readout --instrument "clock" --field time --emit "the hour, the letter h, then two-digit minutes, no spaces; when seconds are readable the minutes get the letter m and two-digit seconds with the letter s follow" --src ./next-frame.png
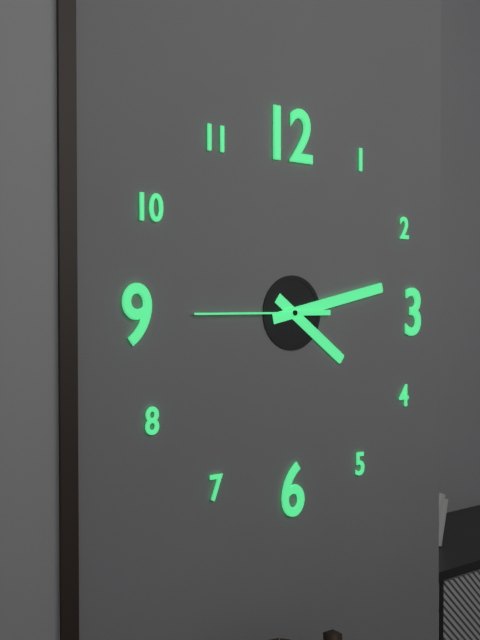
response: 4h13m45s
